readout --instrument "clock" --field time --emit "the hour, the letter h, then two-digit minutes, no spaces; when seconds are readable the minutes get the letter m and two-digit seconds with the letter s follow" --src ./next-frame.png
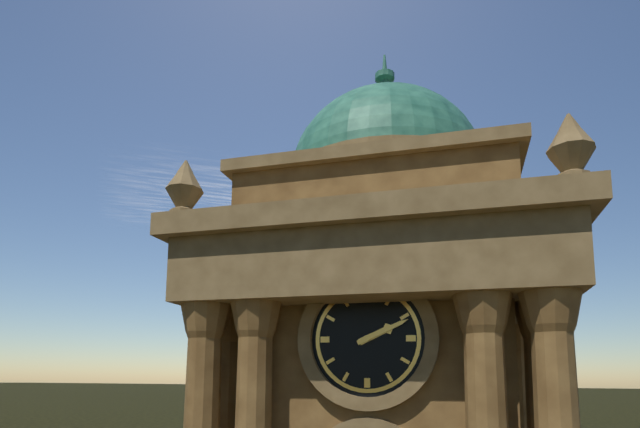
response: 2h11
